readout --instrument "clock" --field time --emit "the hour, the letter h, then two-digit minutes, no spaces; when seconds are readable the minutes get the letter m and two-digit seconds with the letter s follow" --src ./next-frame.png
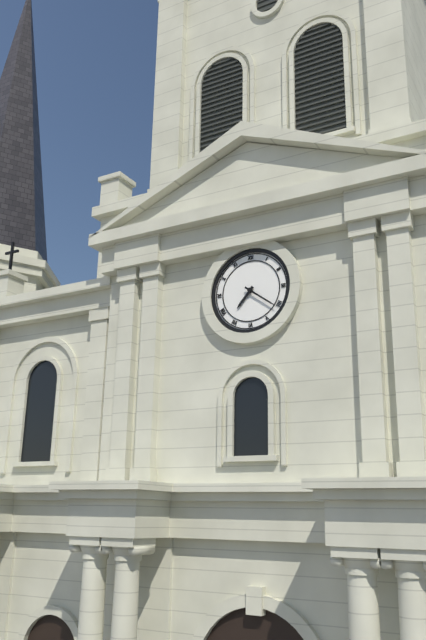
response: 7h21
